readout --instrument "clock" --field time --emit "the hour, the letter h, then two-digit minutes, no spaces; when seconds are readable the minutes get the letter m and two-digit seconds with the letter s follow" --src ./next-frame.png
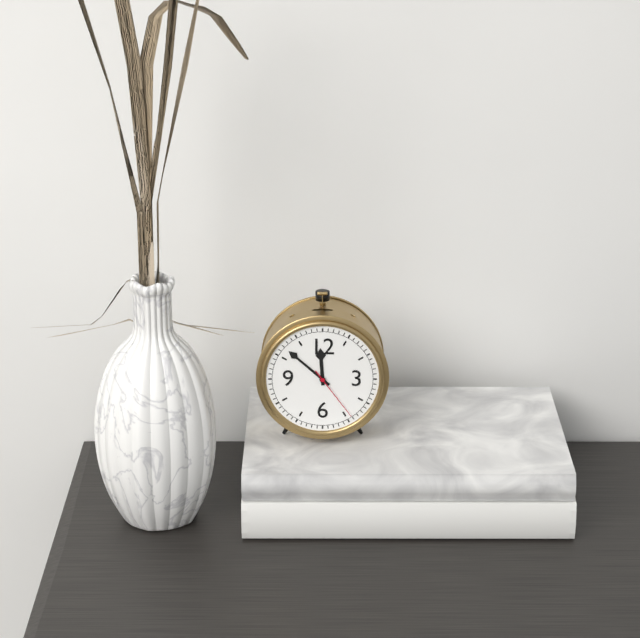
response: 11h52m24s
